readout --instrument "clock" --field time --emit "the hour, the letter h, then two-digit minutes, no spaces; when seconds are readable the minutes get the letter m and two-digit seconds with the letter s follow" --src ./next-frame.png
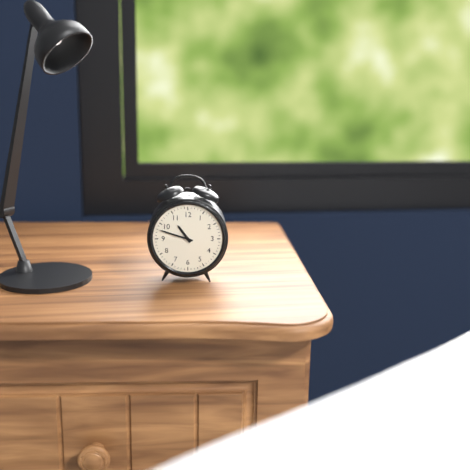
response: 10h48
